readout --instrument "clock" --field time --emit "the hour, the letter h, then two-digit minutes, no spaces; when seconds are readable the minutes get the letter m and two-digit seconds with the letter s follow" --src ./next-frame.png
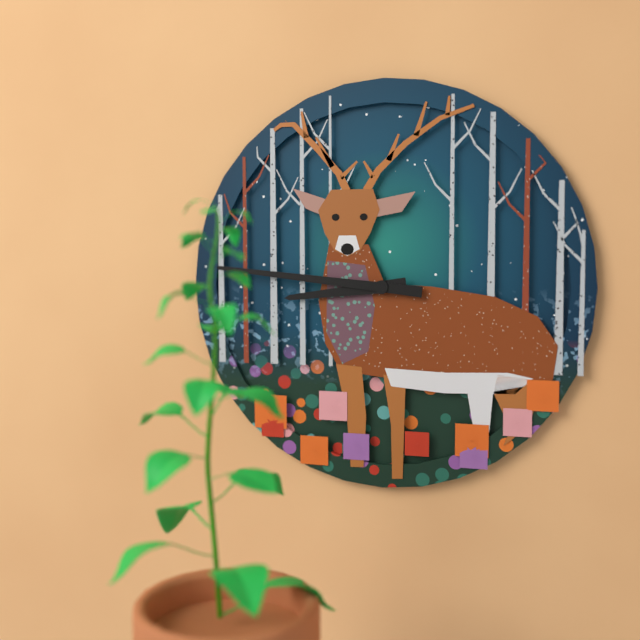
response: 8h46
